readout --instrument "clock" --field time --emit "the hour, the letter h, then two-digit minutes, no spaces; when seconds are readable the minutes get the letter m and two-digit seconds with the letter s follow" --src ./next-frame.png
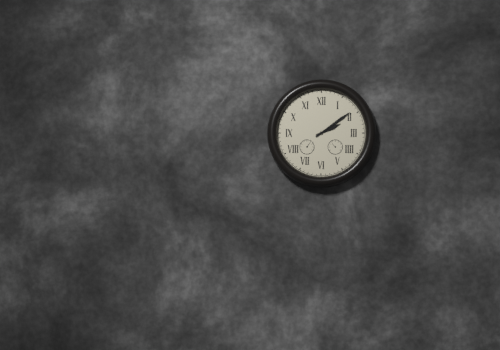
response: 2h09
